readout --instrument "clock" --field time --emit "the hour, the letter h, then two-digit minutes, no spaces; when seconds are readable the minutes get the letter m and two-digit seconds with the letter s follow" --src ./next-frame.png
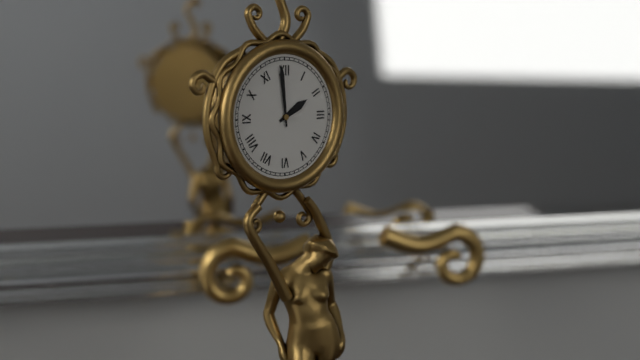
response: 1h59
